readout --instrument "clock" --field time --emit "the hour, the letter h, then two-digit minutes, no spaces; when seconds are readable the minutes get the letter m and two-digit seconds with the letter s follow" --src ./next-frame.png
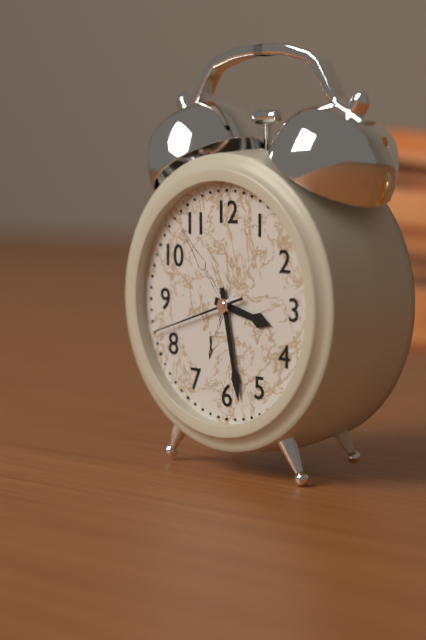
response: 3h28m42s
